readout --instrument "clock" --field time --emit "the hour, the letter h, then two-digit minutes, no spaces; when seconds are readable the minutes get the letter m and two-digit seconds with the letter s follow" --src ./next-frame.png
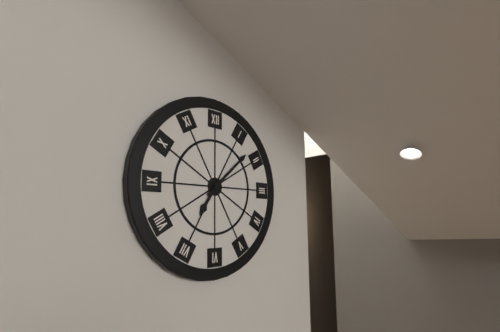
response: 7h08
